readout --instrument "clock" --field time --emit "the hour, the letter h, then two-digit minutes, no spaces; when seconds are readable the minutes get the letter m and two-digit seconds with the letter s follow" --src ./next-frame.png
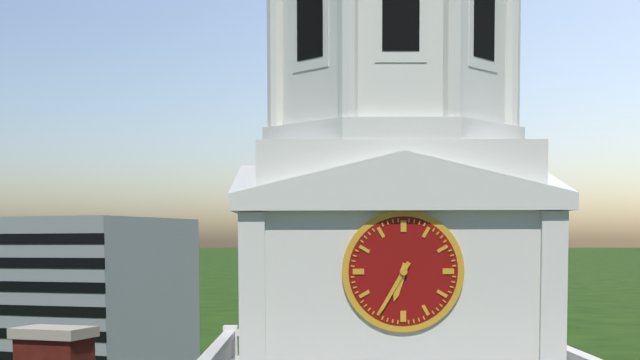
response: 6h35
